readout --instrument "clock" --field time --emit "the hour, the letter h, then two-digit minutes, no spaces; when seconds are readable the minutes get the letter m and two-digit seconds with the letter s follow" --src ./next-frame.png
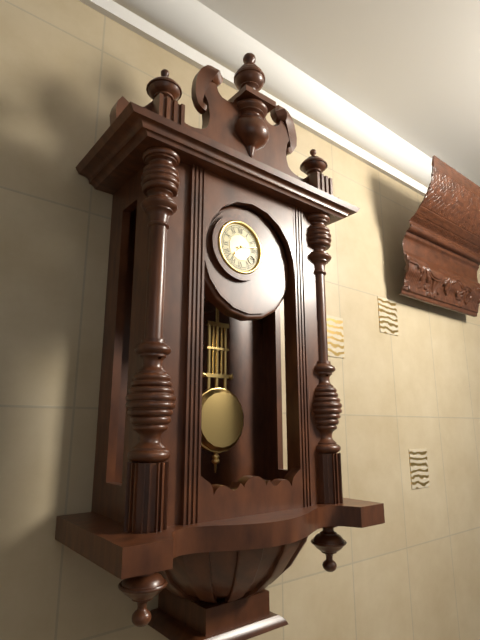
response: 7h13
